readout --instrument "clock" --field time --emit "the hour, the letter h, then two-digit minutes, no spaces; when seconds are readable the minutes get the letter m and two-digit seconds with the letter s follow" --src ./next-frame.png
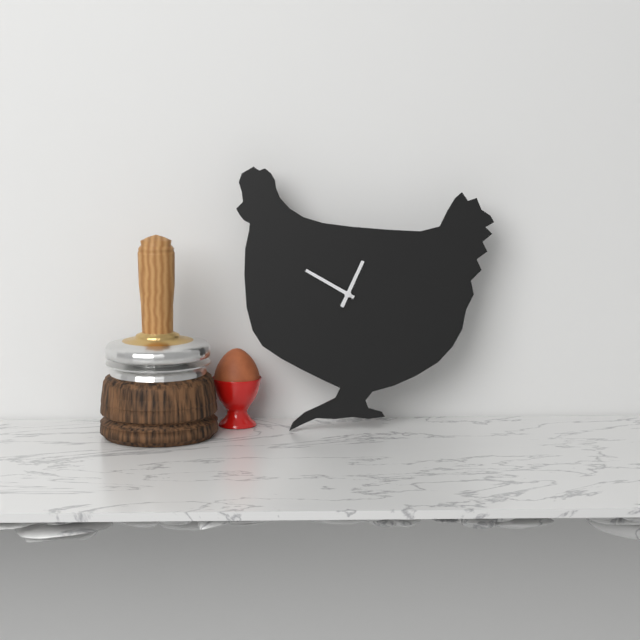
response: 12h50
